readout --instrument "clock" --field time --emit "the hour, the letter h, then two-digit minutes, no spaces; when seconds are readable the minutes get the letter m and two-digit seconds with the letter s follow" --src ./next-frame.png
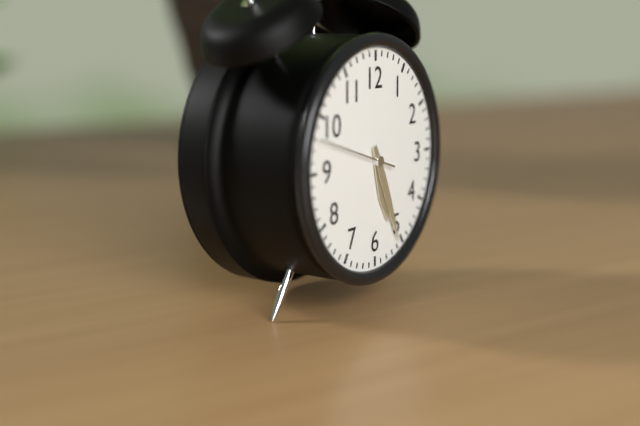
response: 5h26m48s
